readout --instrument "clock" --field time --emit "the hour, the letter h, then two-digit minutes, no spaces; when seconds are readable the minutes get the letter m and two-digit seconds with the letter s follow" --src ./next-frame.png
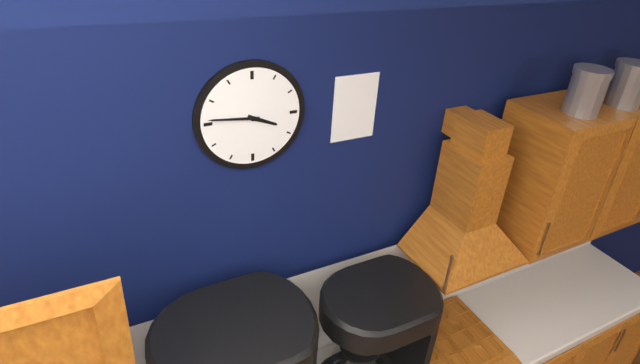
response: 3h46
